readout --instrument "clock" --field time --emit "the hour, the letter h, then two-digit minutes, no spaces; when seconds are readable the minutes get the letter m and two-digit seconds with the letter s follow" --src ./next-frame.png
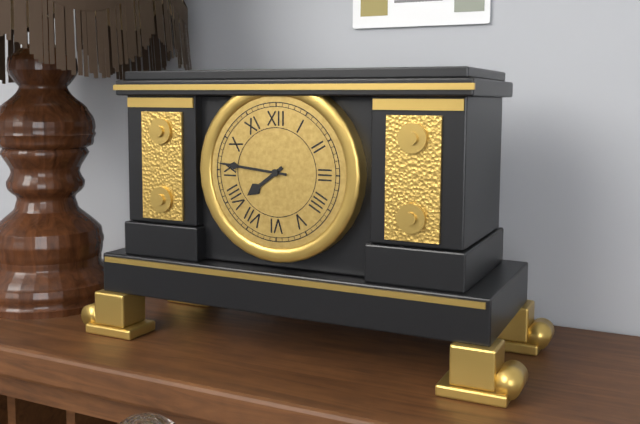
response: 7h46
